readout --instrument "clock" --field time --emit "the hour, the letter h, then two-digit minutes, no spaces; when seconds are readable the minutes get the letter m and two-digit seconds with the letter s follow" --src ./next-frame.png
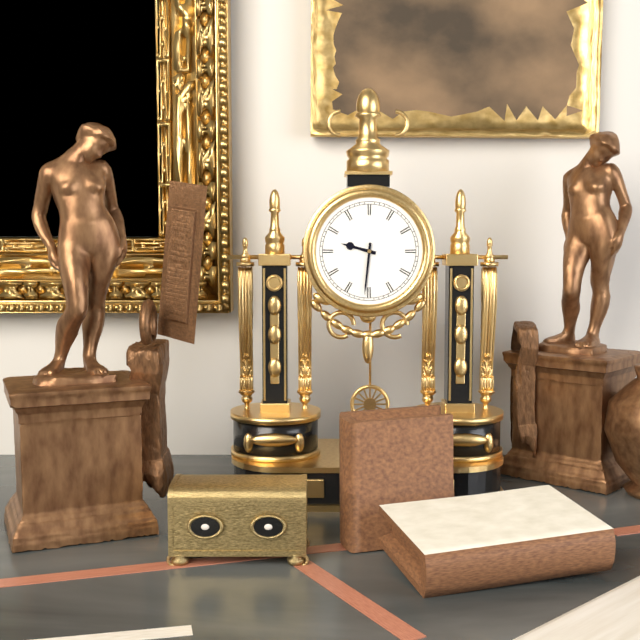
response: 9h31
